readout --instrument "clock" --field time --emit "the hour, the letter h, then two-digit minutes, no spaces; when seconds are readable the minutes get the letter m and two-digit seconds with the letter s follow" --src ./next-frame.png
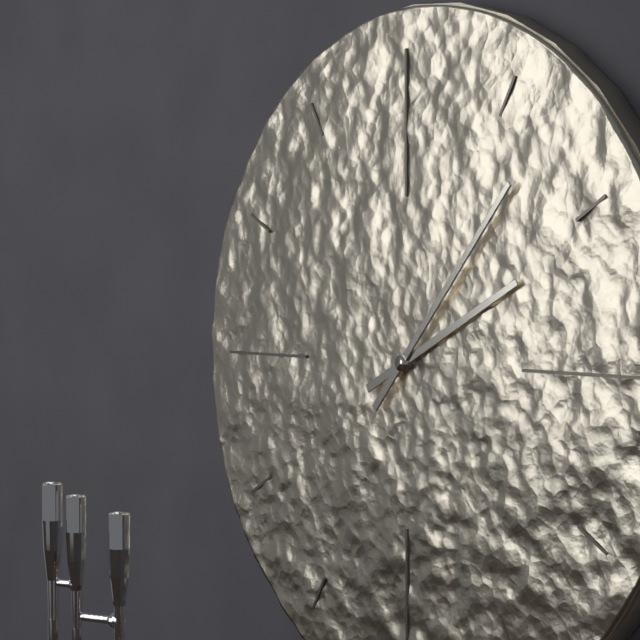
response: 2h07
